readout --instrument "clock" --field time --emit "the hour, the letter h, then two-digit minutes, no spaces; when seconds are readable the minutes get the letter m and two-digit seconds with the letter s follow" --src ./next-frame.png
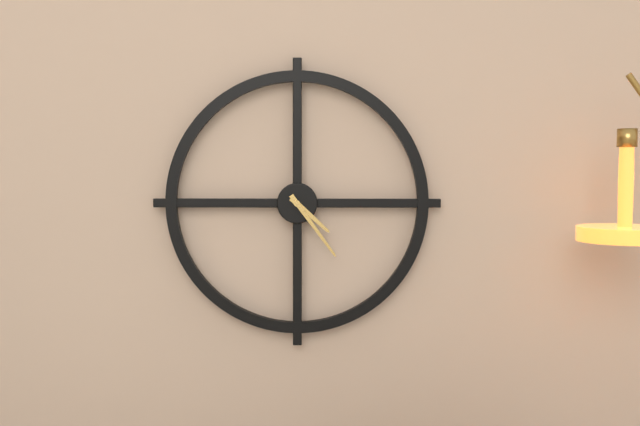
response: 4h24
